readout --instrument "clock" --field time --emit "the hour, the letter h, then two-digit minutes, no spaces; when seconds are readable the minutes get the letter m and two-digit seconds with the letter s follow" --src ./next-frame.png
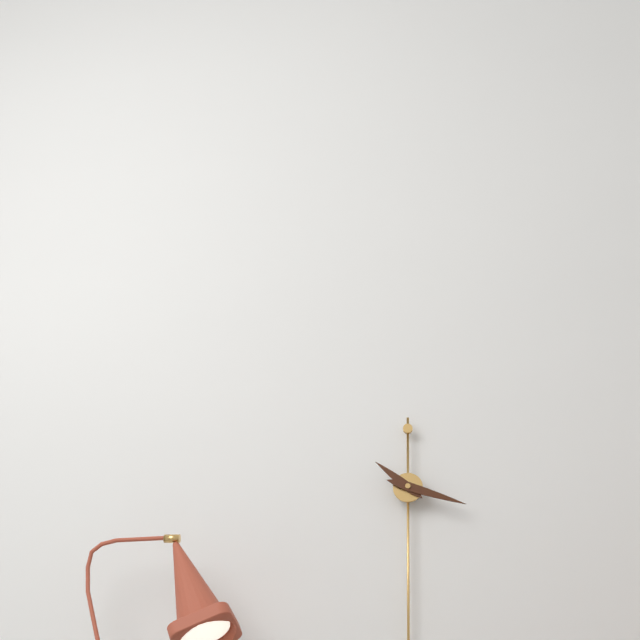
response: 10h18
